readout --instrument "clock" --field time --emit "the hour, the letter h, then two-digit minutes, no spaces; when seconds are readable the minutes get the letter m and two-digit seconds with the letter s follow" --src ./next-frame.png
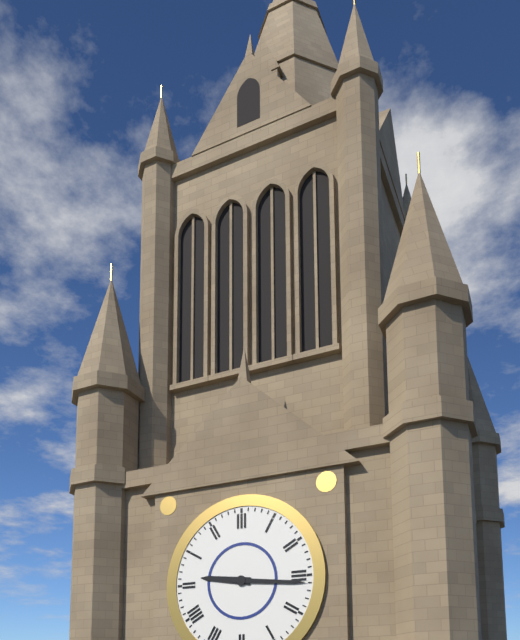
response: 9h16
